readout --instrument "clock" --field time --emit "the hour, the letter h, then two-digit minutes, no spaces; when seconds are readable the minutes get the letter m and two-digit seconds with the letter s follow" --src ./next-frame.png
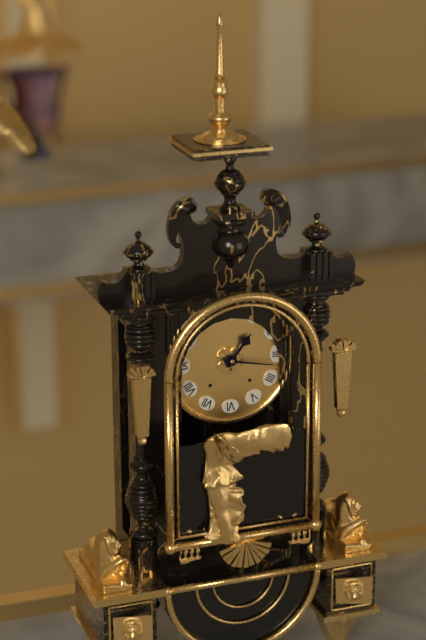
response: 1h17
